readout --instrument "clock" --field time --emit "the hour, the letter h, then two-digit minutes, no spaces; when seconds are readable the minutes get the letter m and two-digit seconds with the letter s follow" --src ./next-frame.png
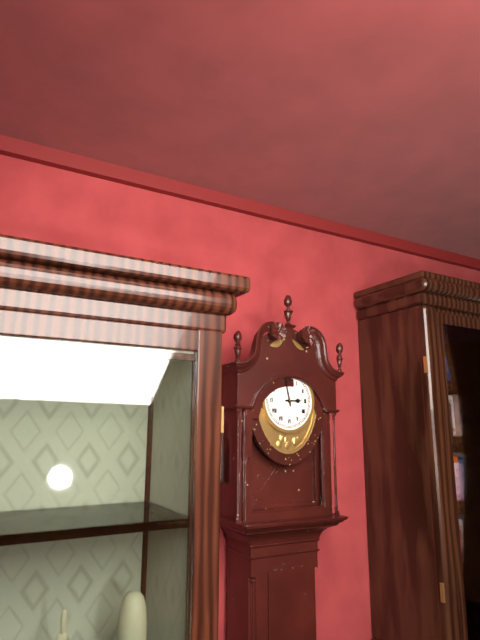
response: 2h58
